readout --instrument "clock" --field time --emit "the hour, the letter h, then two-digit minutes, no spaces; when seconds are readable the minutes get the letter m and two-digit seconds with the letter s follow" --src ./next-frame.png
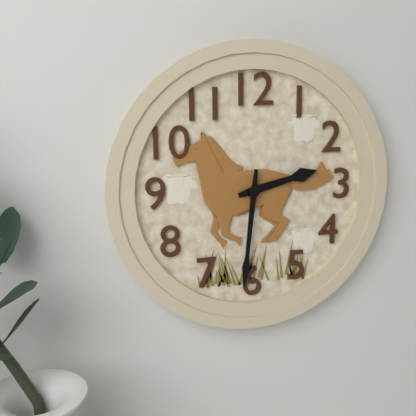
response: 2h31
